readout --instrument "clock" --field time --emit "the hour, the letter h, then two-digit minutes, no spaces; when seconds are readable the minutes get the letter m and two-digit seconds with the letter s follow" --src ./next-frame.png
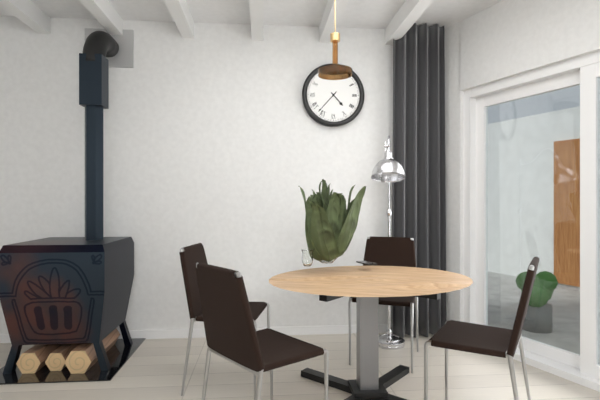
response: 4h37
